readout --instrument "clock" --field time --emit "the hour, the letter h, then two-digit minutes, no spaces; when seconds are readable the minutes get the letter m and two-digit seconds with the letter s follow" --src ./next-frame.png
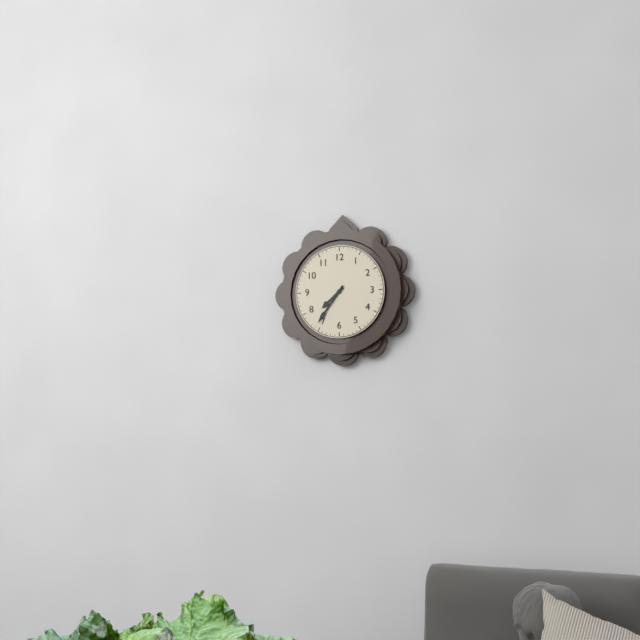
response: 7h36
